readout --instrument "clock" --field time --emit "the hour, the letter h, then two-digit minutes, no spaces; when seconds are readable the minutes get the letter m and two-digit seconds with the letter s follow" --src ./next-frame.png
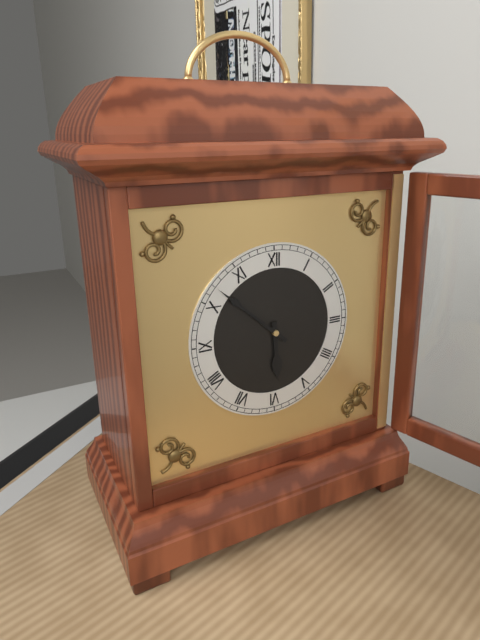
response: 5h52
